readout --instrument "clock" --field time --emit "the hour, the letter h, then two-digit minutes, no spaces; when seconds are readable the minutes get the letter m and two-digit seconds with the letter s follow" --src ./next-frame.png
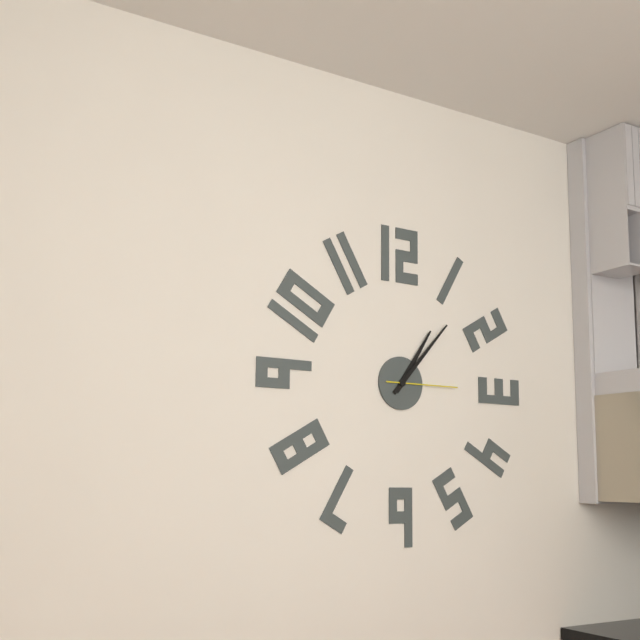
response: 1h07m15s
